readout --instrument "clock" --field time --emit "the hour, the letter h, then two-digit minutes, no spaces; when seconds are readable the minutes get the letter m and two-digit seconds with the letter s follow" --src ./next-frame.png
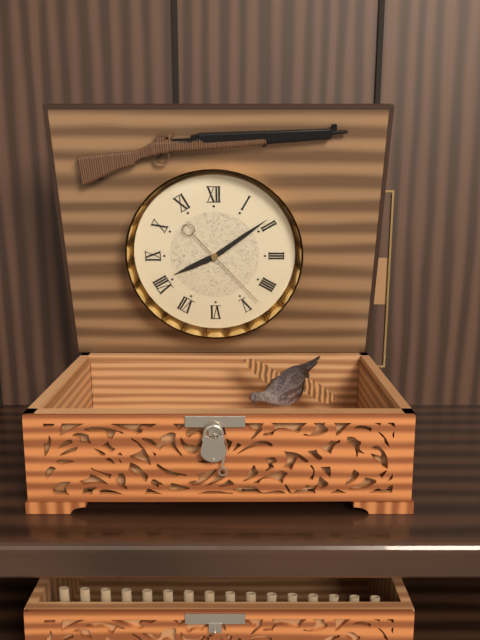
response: 8h09m23s
